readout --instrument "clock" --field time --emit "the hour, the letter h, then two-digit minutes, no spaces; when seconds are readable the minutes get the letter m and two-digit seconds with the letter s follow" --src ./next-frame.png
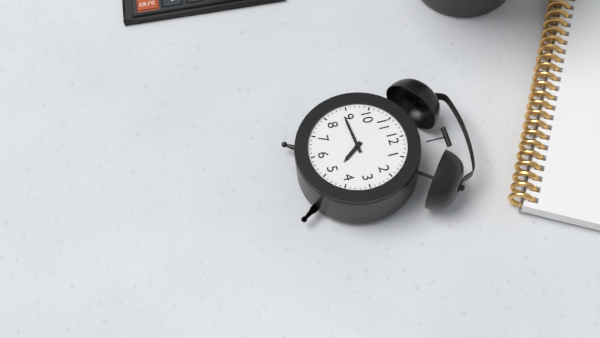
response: 4h44
